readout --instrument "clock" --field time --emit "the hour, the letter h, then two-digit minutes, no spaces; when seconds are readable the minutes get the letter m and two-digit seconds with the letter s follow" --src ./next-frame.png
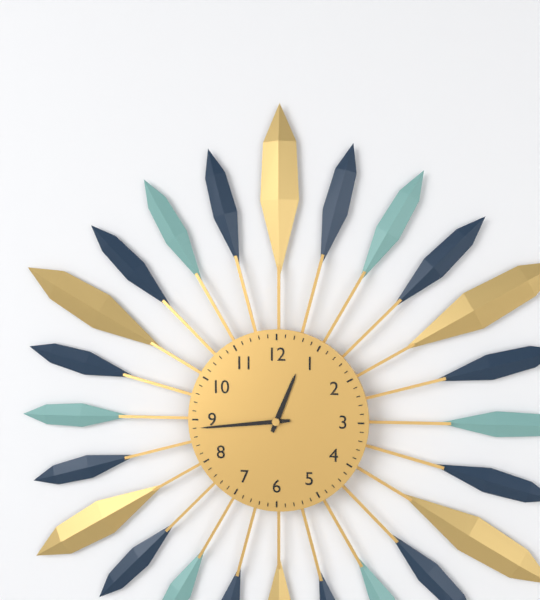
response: 12h44
